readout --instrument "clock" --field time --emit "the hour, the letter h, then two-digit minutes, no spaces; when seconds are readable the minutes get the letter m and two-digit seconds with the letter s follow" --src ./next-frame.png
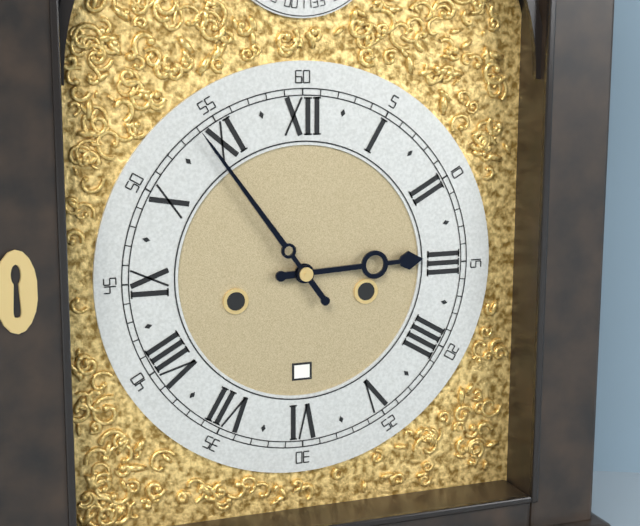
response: 2h54
